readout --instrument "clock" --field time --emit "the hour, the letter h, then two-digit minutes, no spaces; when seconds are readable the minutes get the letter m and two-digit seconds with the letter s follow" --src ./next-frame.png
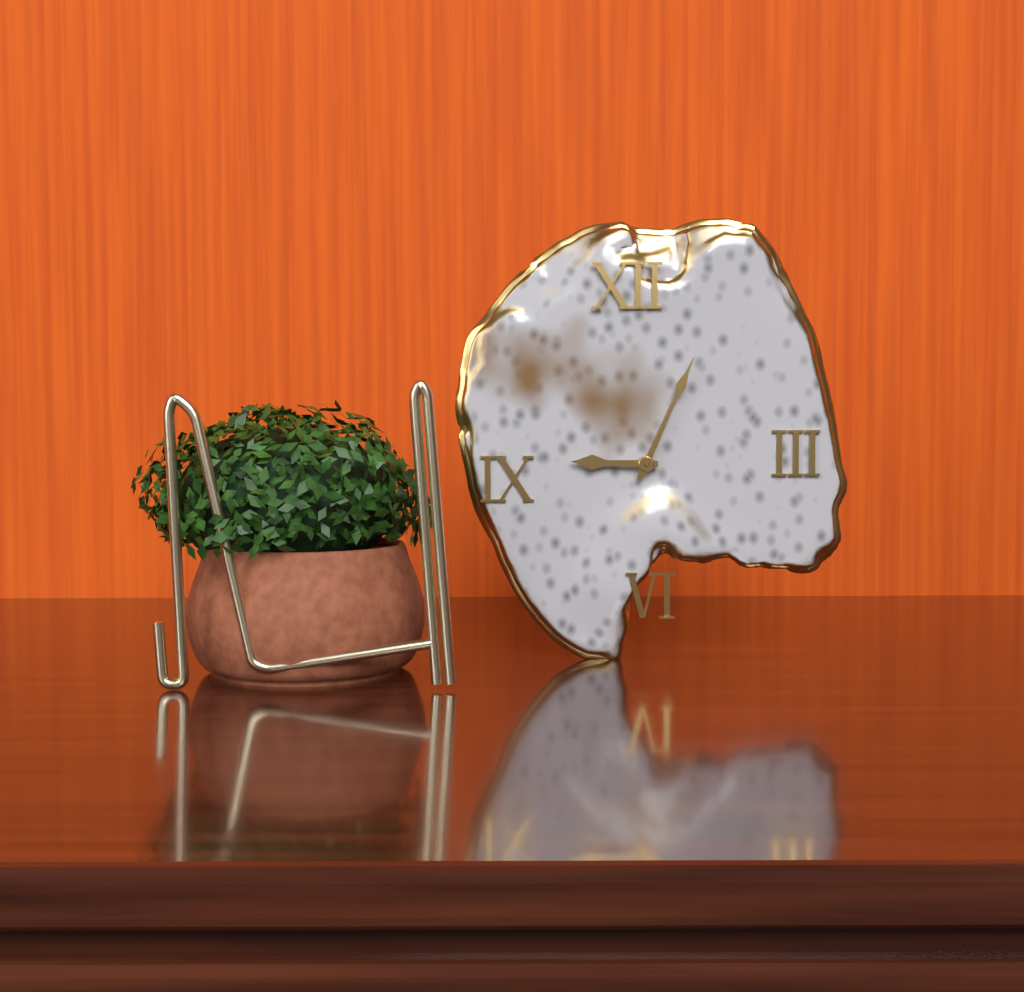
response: 9h04
